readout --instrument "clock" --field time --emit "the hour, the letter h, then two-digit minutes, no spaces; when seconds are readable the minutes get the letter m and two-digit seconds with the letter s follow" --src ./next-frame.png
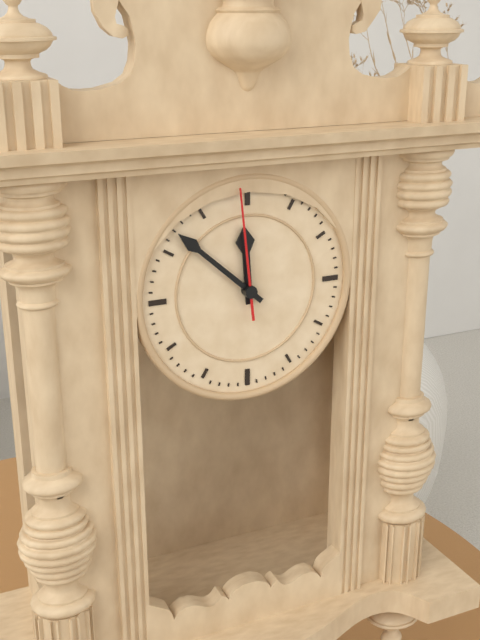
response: 11h52m59s
